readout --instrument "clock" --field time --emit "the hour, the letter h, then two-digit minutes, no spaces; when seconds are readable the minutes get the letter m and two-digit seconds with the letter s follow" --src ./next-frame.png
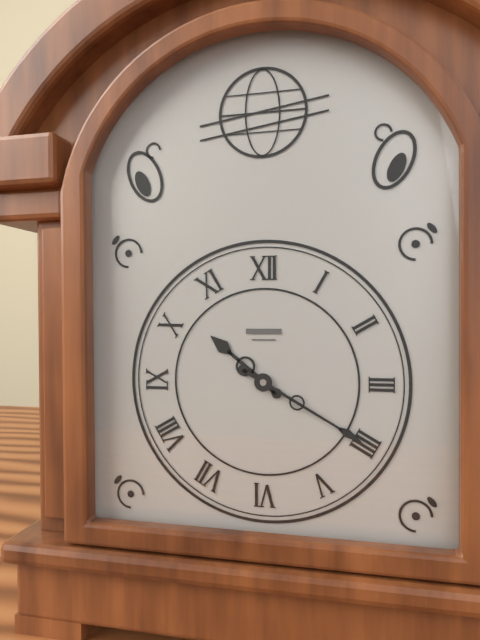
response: 10h20
